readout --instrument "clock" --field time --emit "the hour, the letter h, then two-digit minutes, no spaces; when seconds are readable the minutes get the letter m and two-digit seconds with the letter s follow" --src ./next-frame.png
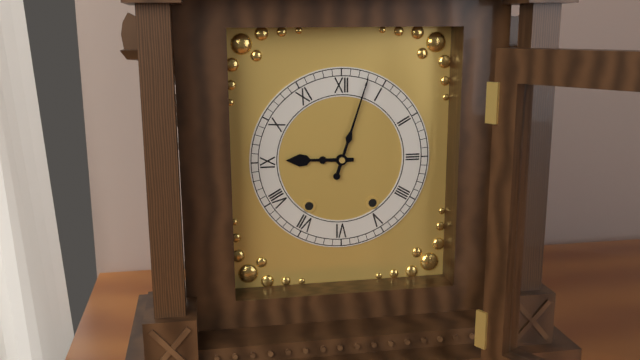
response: 9h03
